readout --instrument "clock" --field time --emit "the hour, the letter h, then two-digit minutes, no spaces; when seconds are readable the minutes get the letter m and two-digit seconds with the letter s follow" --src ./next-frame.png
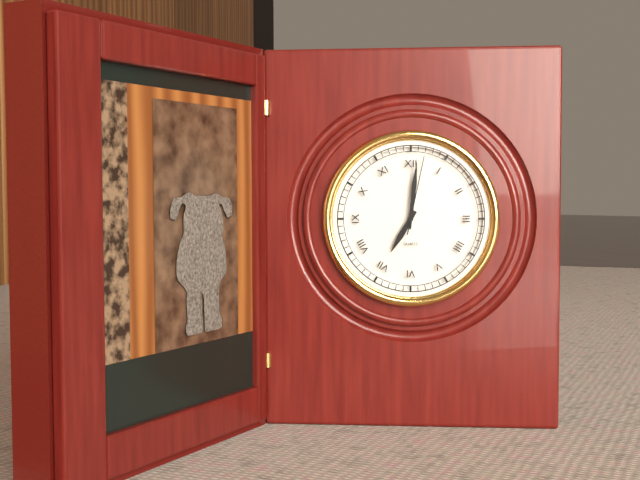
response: 7h01m02s
